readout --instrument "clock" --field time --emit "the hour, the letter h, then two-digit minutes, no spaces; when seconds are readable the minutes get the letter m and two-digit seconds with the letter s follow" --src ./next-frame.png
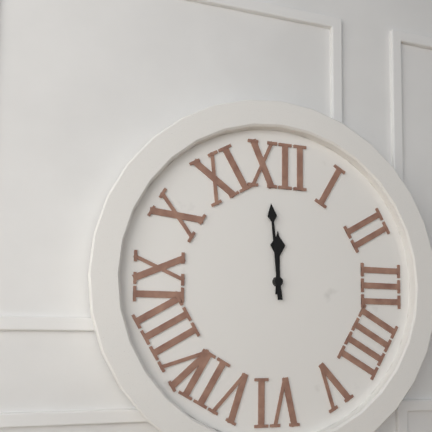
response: 11h59
